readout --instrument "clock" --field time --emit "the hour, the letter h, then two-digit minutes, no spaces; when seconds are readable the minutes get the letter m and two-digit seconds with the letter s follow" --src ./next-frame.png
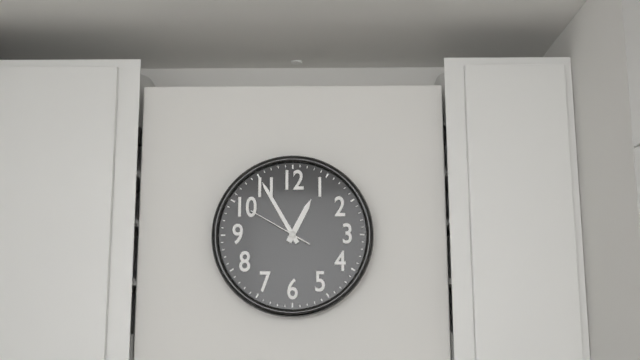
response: 12h55m50s
